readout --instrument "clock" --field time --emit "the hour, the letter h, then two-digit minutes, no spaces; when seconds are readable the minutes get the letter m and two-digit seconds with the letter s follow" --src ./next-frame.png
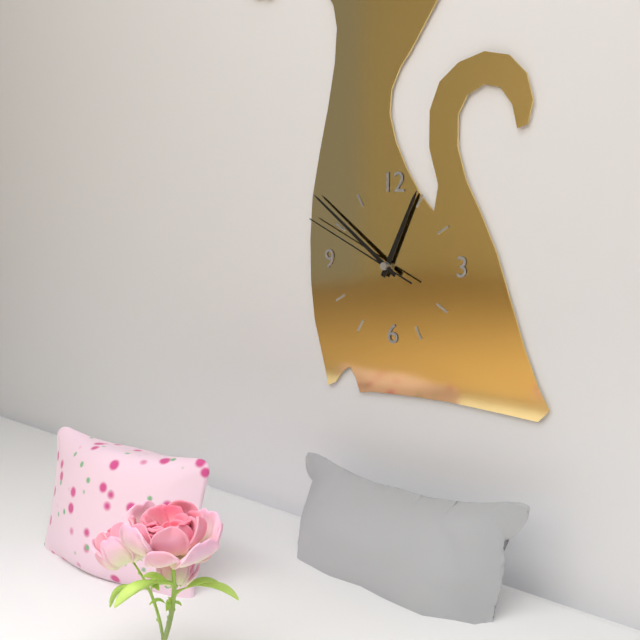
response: 12h51m49s
